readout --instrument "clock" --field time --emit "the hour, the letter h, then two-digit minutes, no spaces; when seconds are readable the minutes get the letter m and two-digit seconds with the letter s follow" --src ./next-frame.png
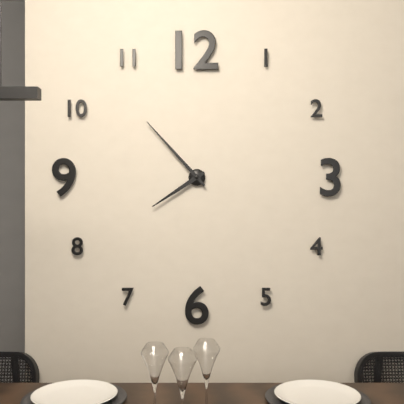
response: 7h53
